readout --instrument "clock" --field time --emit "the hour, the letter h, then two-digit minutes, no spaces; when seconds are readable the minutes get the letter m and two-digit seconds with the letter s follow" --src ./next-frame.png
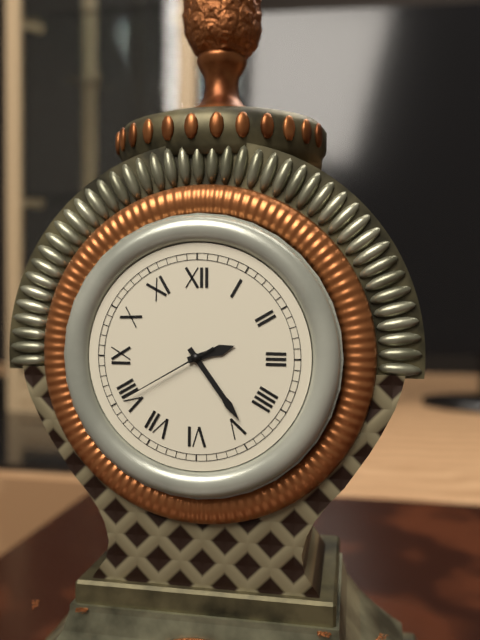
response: 2h24m40s
